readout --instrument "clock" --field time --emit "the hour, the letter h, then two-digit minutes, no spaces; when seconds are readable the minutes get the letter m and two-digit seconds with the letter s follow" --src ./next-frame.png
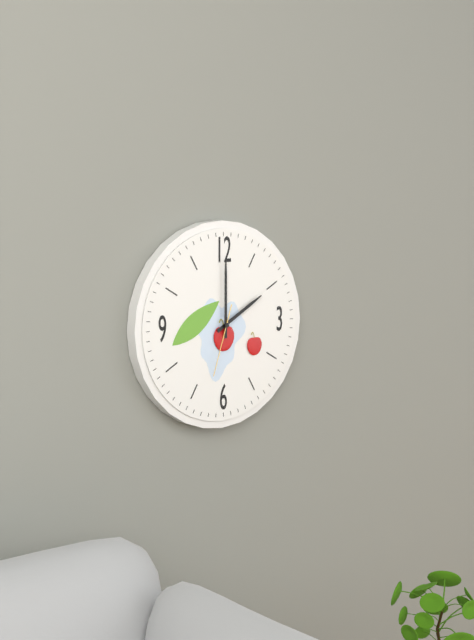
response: 2h00m33s
